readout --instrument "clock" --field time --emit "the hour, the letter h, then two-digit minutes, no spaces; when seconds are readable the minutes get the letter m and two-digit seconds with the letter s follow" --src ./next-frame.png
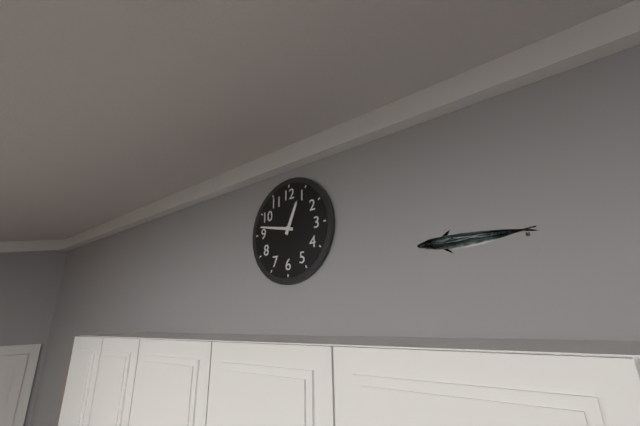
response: 12h47
